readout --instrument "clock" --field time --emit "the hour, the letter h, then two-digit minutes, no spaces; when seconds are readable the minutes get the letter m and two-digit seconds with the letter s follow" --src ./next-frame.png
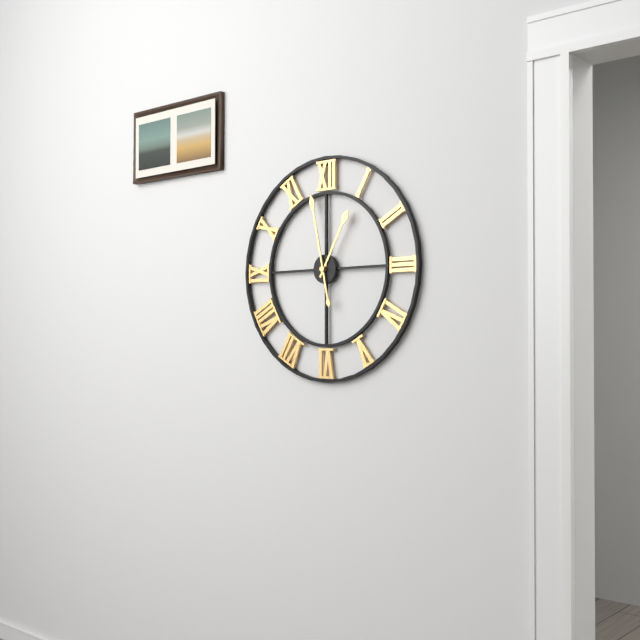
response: 12h58
